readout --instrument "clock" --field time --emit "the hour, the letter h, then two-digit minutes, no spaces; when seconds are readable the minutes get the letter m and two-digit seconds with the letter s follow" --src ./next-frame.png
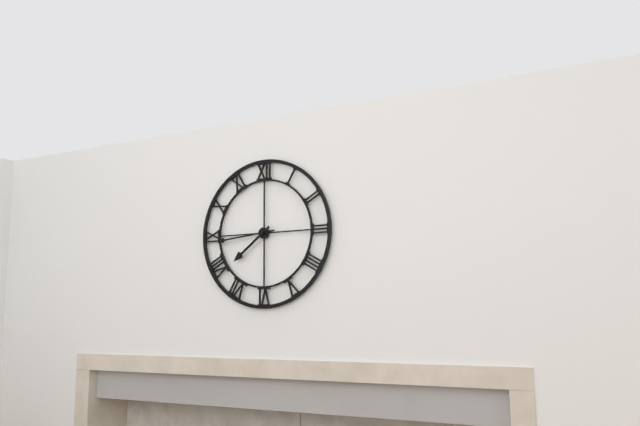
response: 7h44
